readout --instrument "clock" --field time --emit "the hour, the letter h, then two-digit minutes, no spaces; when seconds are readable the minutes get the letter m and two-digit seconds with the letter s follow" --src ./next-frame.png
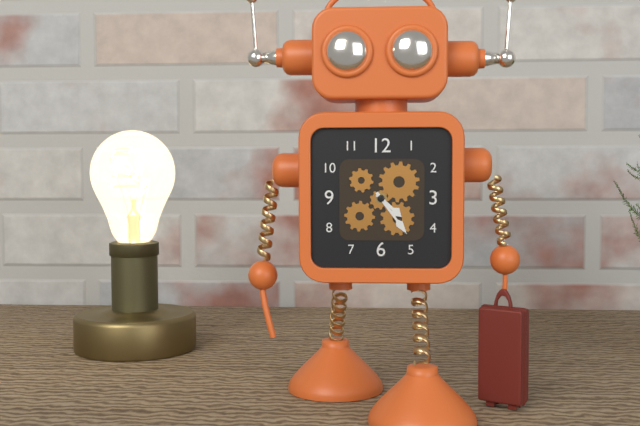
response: 4h24
